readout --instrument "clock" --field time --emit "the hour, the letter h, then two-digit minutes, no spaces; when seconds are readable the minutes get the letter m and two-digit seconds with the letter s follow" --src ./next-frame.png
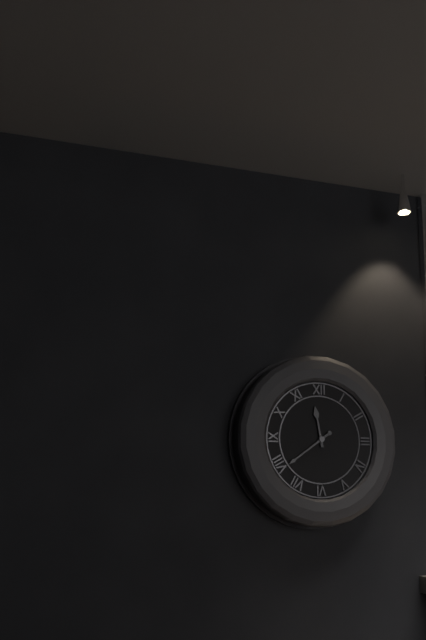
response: 11h39
